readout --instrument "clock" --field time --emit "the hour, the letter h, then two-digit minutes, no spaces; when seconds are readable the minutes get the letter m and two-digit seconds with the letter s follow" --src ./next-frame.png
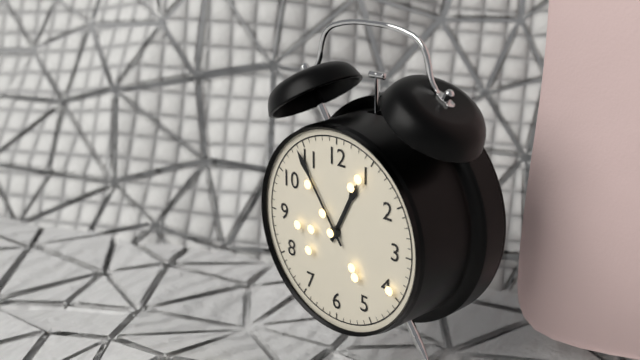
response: 12h54
